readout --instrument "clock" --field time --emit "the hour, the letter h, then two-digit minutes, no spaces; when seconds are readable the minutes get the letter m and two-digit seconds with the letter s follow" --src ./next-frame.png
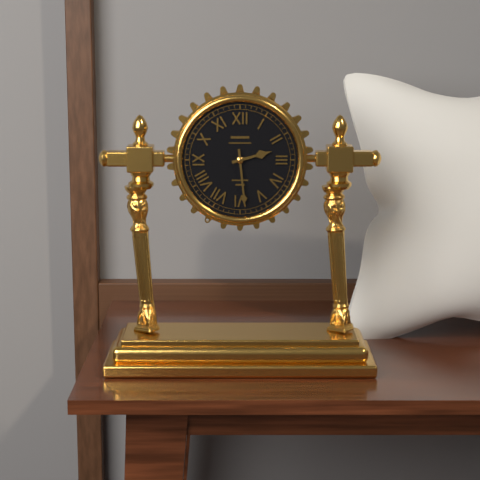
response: 2h29
